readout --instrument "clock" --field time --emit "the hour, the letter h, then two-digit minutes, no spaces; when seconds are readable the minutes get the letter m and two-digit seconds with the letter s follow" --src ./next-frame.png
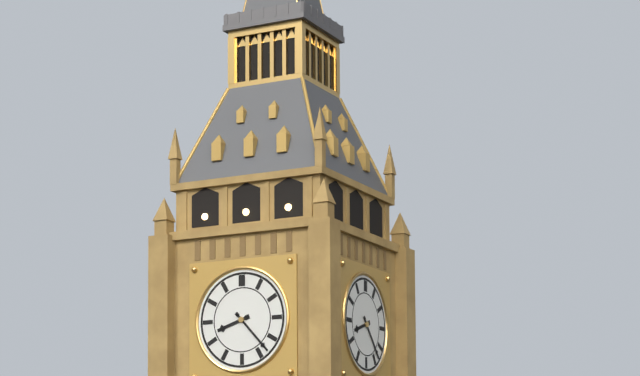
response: 8h23
